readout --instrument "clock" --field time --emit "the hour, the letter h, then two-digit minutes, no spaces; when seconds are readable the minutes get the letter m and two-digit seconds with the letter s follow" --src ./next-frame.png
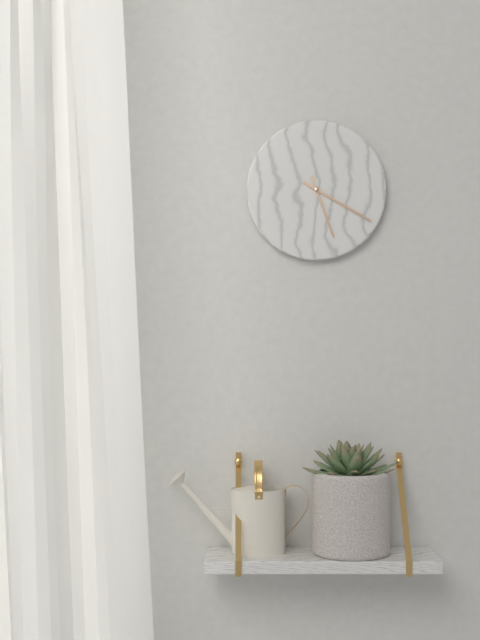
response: 5h20
